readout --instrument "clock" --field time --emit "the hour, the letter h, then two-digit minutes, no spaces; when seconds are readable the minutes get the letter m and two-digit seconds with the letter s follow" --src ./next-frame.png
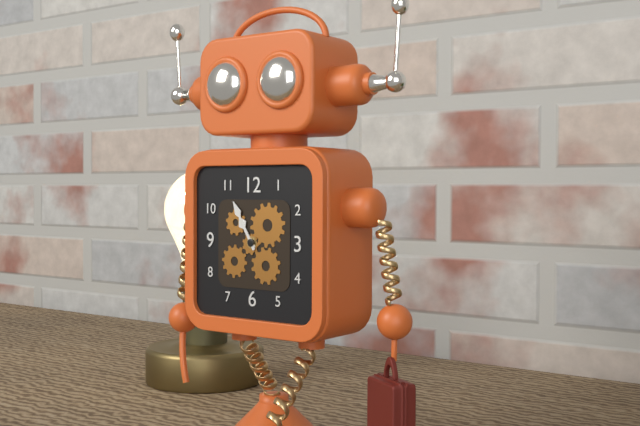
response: 10h55
